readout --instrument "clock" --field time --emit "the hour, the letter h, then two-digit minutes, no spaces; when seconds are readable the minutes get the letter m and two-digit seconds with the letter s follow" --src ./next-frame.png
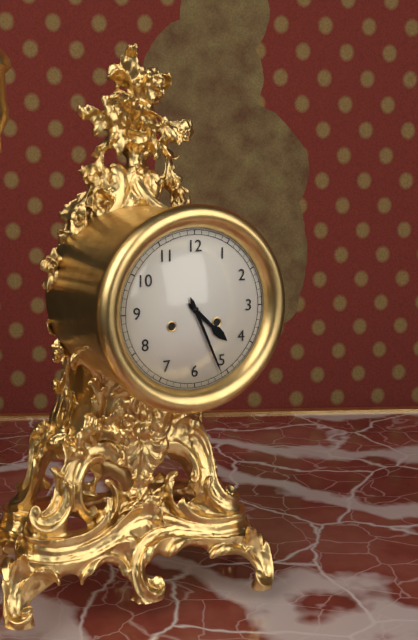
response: 4h26
